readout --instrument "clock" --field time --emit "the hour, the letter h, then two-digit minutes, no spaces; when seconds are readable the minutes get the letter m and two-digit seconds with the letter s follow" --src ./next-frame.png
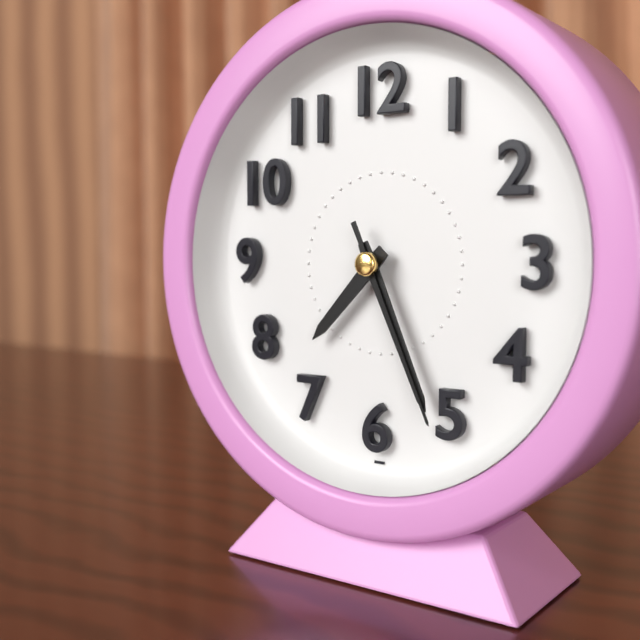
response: 7h26m26s
